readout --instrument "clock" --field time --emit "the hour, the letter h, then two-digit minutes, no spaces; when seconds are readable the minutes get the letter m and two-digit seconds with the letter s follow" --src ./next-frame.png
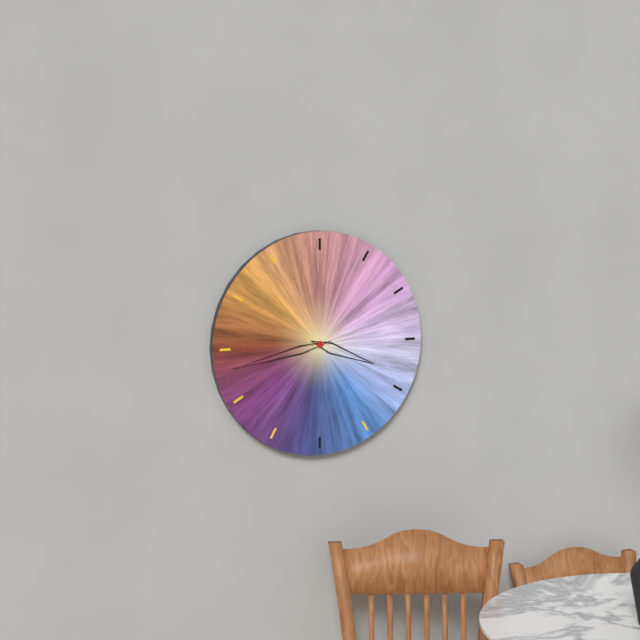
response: 3h43
